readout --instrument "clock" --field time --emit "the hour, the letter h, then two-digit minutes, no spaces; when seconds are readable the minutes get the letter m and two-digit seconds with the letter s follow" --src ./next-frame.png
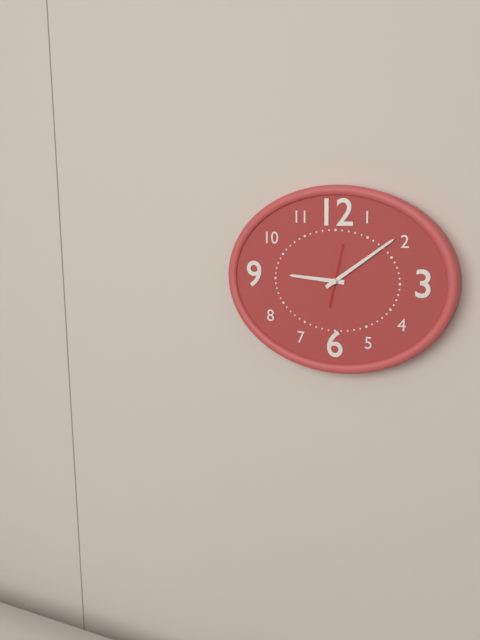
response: 9h09
